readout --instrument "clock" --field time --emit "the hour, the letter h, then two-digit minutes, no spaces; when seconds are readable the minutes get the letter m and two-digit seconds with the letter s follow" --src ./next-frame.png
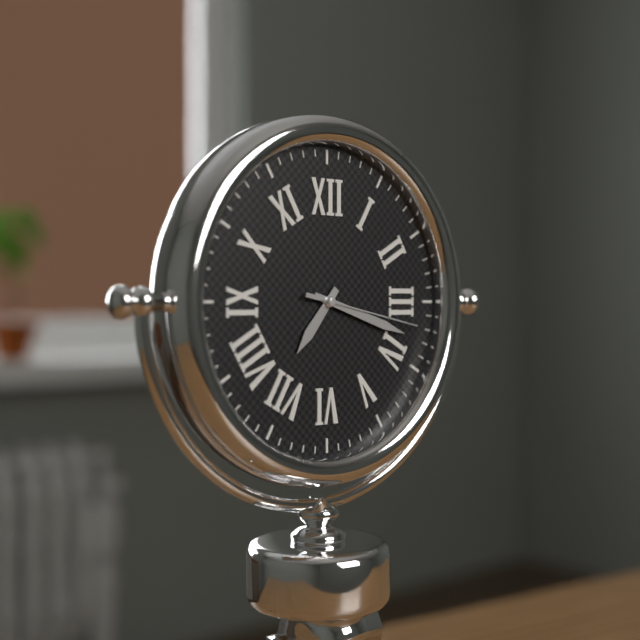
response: 7h18m17s
